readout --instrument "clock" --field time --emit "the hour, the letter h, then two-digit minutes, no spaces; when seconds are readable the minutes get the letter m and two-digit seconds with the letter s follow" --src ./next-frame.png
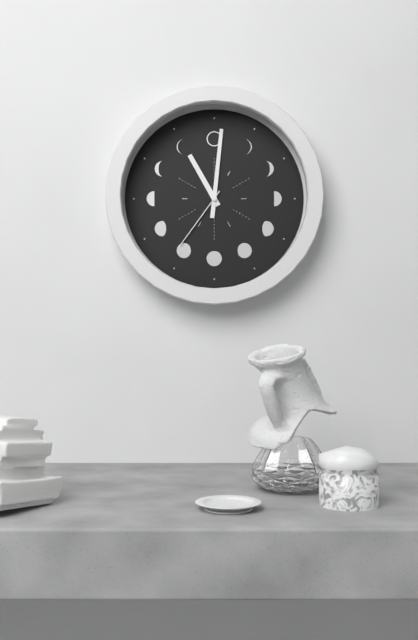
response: 11h01m36s
